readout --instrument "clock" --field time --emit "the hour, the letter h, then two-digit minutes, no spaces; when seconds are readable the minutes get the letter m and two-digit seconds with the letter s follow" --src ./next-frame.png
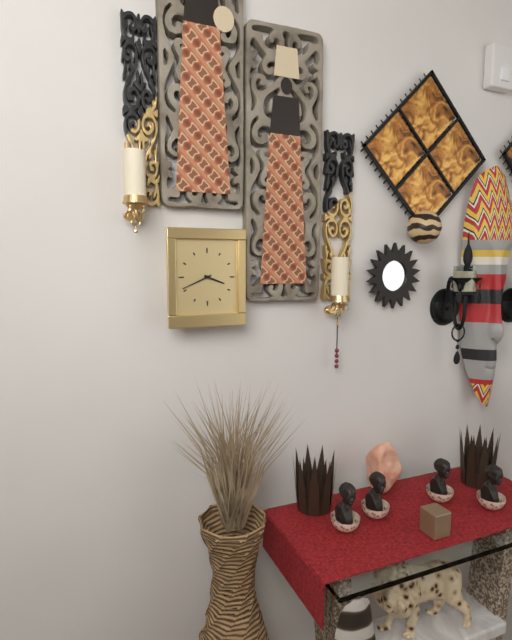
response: 3h41
